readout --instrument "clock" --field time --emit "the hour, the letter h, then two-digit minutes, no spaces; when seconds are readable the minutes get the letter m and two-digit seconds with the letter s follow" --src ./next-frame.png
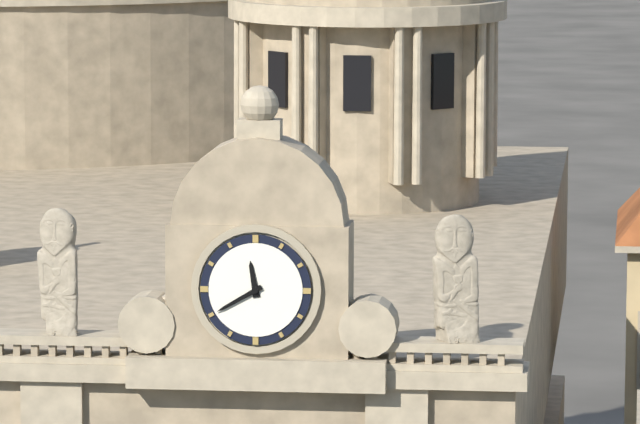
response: 11h40
